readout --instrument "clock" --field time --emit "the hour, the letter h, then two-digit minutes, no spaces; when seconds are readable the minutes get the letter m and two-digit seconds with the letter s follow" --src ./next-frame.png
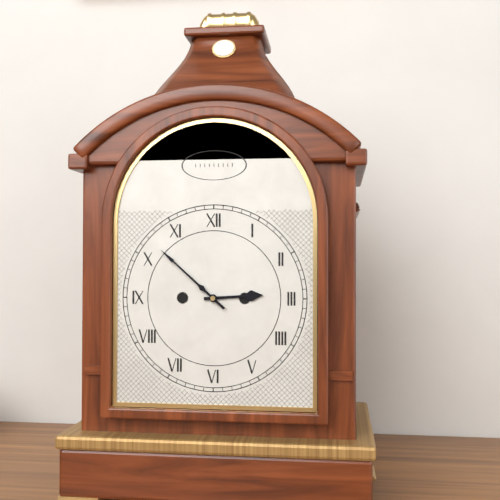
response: 2h52
